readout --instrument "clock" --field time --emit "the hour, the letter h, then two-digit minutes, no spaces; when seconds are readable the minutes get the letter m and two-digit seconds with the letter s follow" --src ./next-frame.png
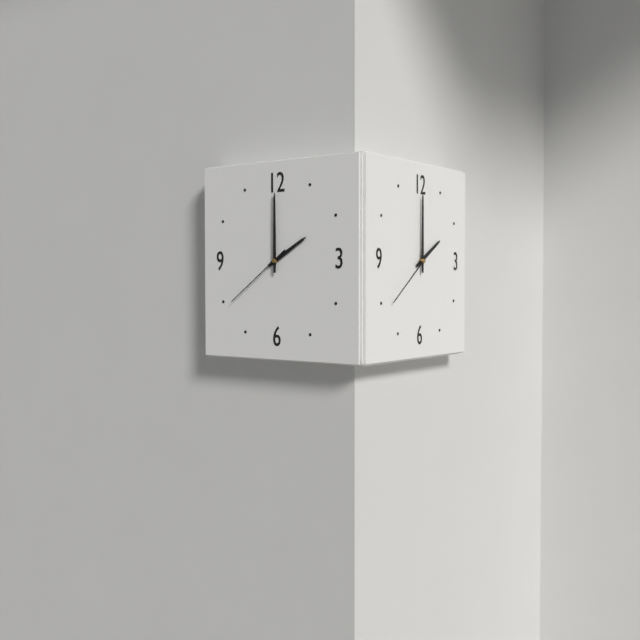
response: 2h00m39s
